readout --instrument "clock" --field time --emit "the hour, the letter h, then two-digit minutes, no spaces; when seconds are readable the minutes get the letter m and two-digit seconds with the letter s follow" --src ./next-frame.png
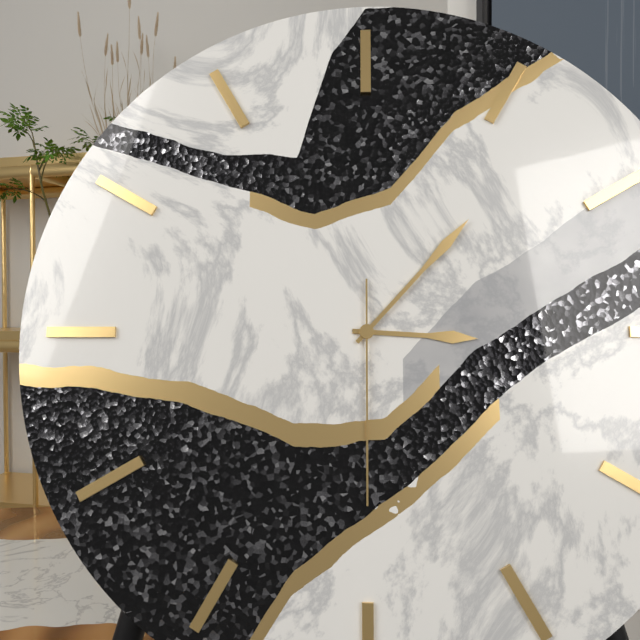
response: 3h07m30s
